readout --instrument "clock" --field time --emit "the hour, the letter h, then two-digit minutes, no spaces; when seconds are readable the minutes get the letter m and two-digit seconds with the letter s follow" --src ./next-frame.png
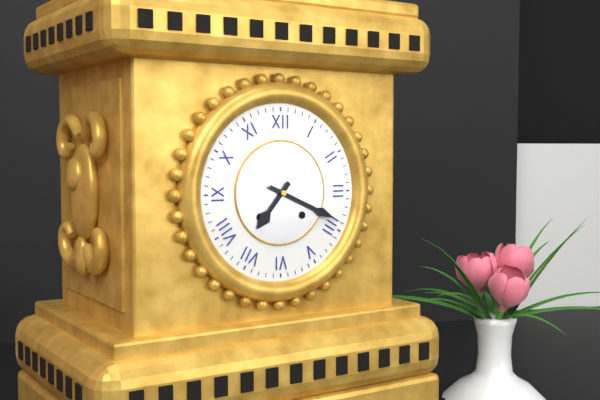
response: 7h19
